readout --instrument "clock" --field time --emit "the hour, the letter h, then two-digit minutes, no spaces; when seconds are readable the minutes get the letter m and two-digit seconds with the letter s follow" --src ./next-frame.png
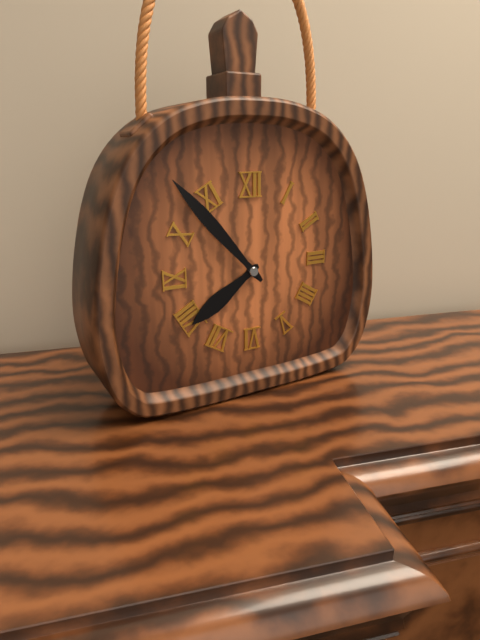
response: 7h53
